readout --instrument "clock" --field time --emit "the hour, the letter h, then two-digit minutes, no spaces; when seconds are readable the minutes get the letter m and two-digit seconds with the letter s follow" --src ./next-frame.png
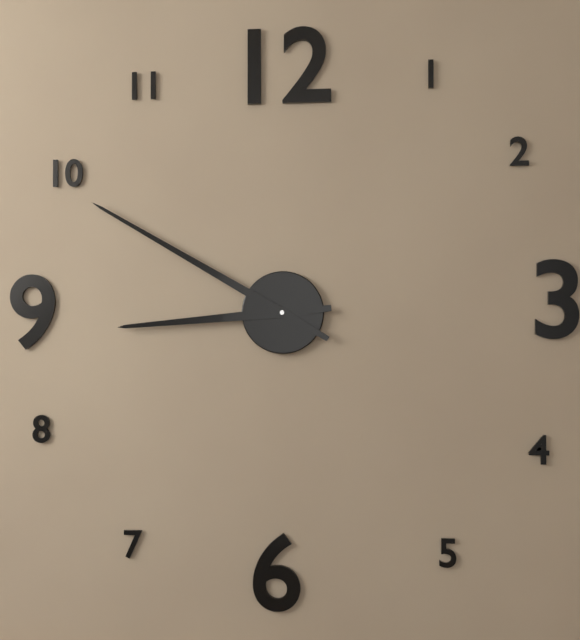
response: 8h50
